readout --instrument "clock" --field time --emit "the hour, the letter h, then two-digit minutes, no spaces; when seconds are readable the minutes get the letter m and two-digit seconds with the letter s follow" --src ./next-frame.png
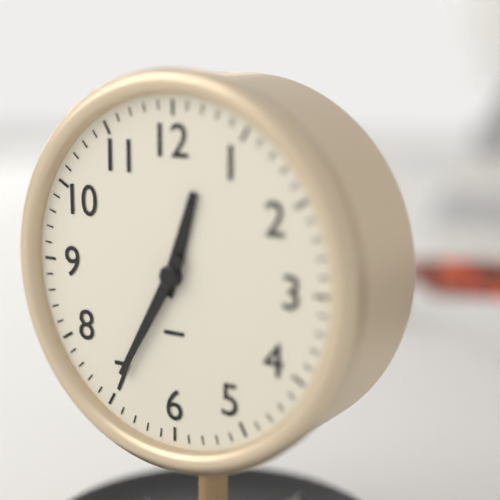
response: 12h35
